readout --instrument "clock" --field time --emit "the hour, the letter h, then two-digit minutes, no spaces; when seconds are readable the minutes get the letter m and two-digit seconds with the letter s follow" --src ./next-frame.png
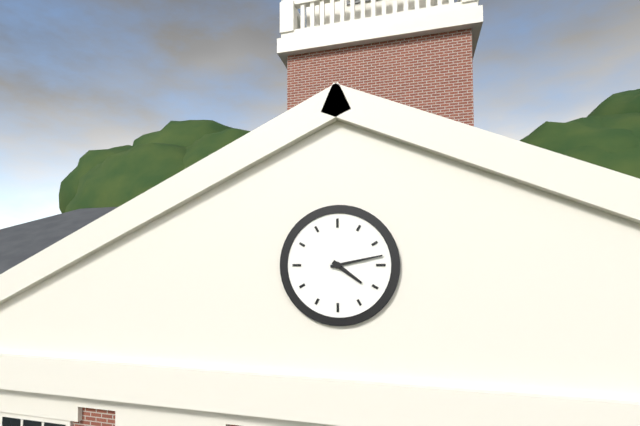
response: 4h13
